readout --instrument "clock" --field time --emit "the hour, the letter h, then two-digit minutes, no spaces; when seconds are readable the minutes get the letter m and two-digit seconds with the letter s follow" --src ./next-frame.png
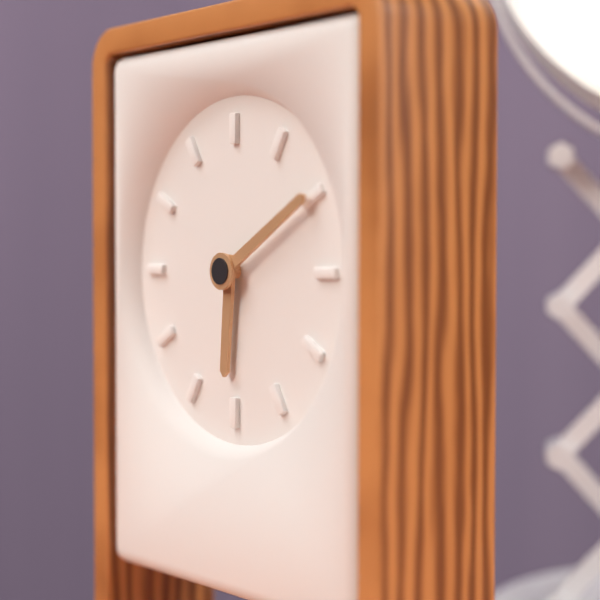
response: 6h10
